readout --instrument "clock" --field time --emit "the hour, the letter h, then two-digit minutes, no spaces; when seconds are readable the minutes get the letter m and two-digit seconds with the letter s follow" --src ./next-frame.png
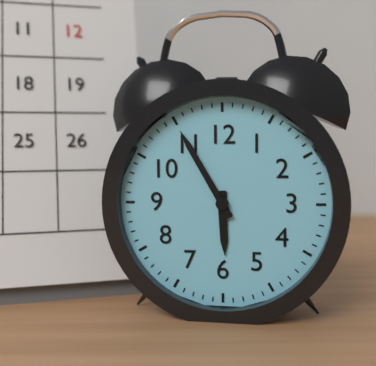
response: 5h55
